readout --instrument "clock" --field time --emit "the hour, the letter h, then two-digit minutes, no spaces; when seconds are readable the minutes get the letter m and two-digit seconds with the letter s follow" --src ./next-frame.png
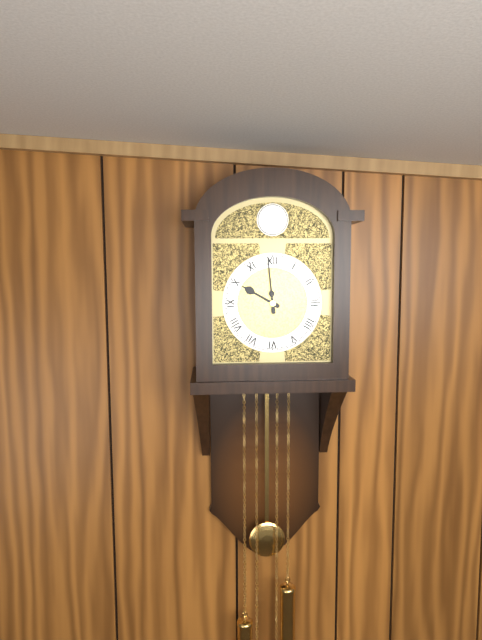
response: 9h59
